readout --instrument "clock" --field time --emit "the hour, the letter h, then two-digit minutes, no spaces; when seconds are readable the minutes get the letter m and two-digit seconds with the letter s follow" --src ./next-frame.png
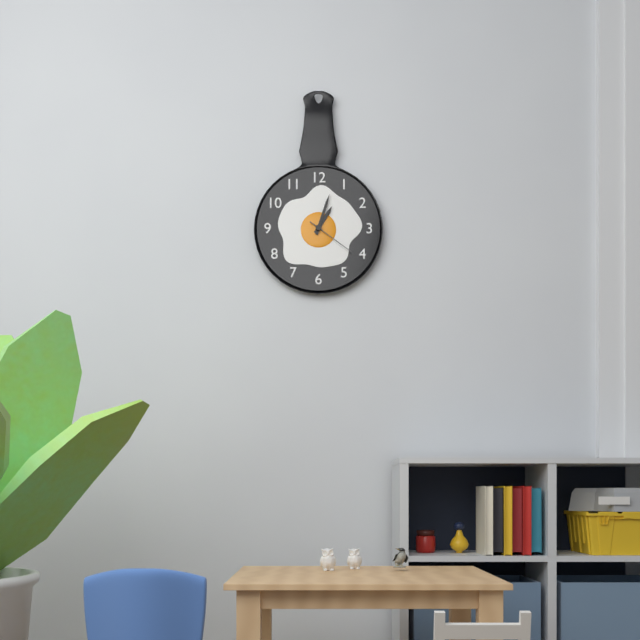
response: 1h03m21s
